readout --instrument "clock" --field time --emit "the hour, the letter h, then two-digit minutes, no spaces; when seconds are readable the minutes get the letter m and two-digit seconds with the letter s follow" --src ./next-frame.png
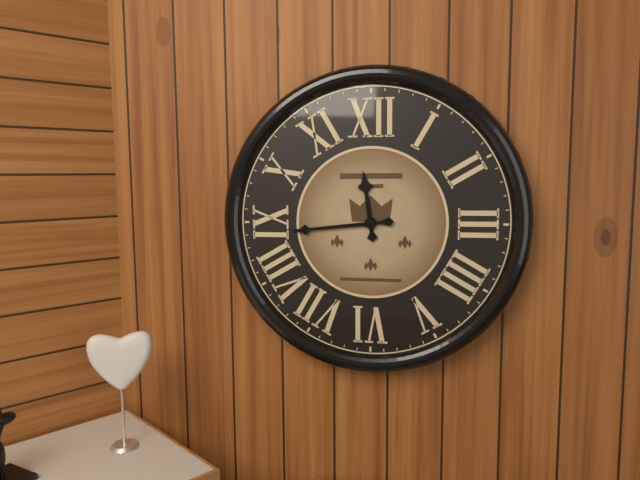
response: 11h44
